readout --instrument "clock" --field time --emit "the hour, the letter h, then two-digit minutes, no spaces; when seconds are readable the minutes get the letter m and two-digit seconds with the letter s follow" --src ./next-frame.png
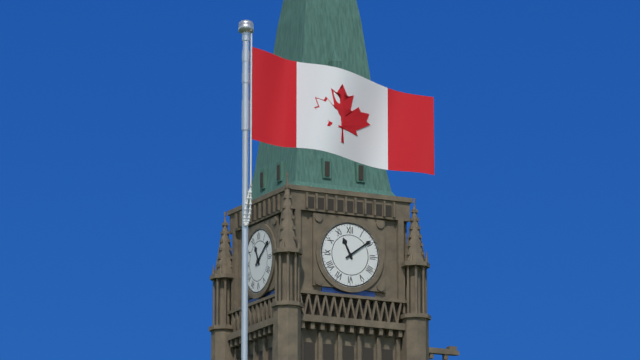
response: 11h09
